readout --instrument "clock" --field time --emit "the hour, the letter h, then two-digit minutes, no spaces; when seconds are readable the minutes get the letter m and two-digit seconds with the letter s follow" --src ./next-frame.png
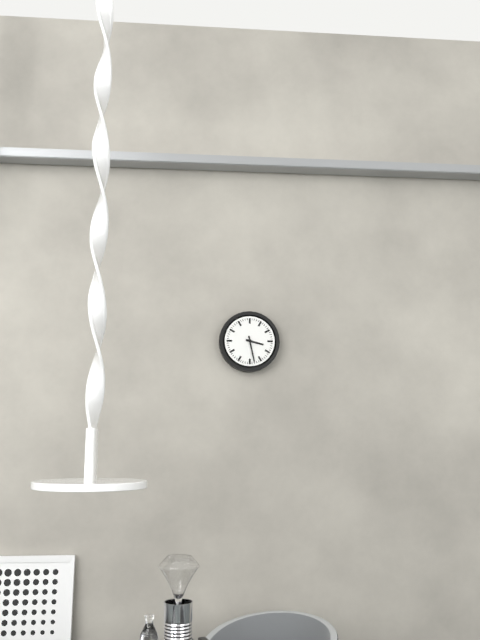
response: 3h28
